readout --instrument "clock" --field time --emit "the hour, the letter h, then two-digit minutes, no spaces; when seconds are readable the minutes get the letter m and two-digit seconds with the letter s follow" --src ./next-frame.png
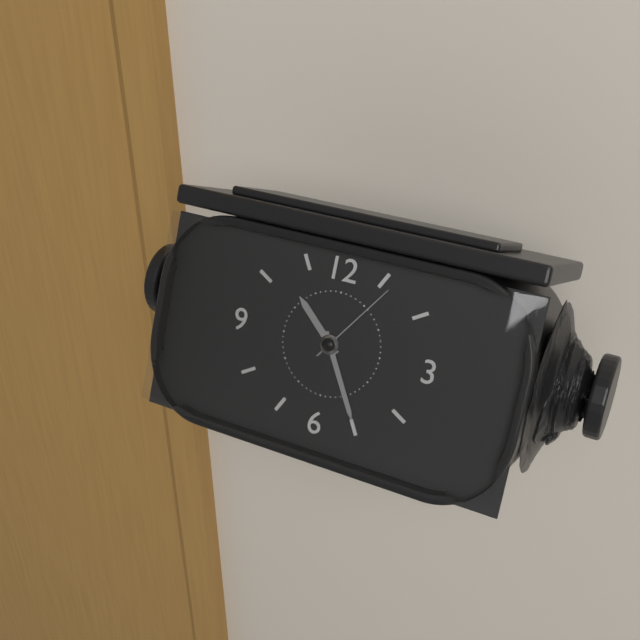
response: 10h25m06s
